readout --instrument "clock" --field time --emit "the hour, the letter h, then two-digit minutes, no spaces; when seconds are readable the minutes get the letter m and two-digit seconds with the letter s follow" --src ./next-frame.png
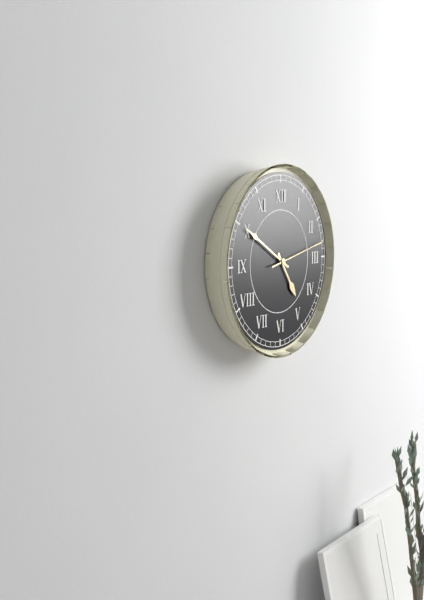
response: 4h50m13s
